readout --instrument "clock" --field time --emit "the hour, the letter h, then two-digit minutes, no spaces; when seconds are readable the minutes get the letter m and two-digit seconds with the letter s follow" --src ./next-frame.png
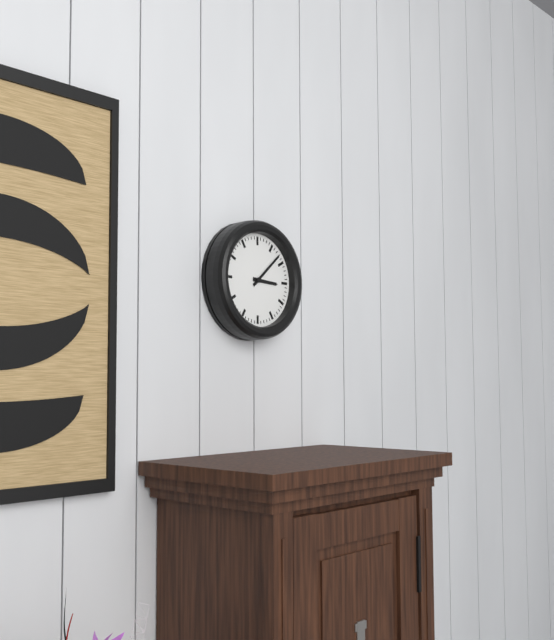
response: 3h08
